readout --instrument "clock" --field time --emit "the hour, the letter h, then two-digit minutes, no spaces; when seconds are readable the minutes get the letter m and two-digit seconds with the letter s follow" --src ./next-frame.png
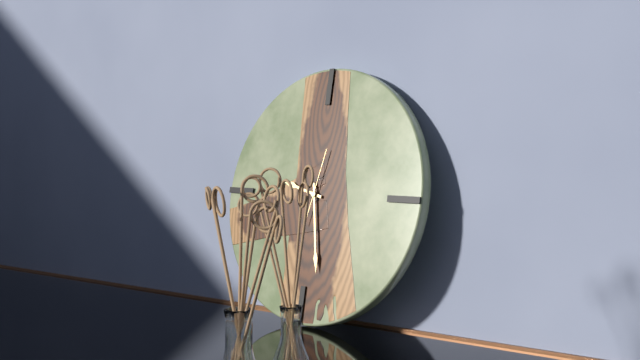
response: 9h28m02s
